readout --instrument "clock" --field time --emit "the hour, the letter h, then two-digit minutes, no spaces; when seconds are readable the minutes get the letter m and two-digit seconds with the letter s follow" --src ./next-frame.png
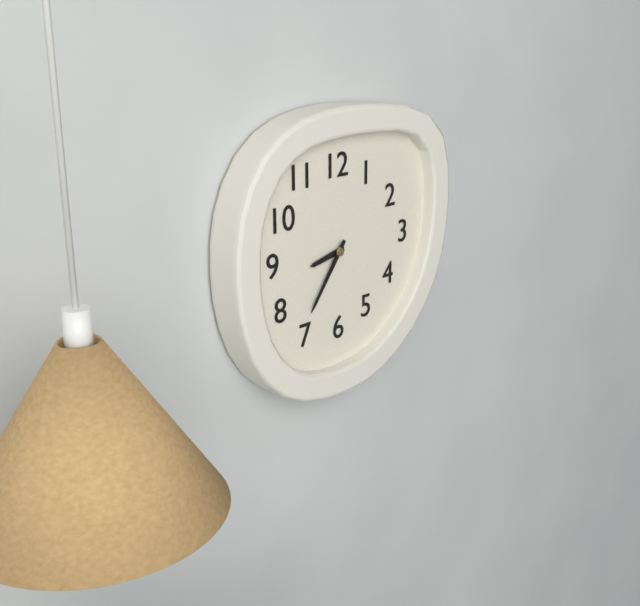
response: 8h36
